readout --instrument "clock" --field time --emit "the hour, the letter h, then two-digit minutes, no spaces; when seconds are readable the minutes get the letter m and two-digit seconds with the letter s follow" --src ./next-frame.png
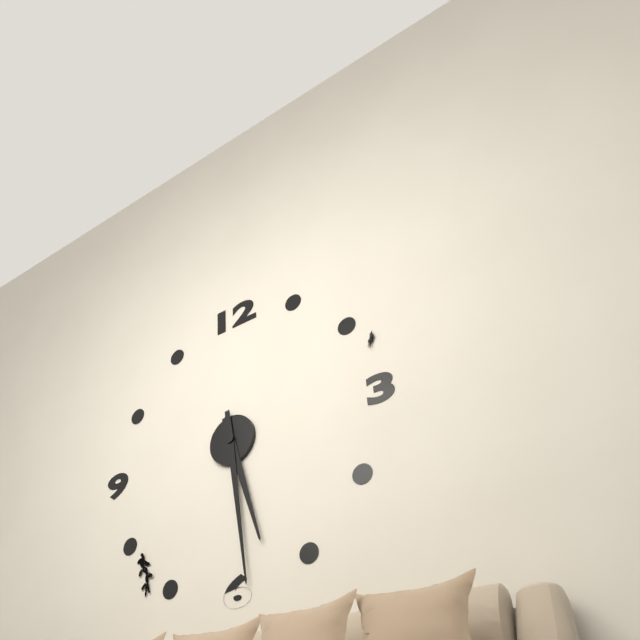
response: 5h29
